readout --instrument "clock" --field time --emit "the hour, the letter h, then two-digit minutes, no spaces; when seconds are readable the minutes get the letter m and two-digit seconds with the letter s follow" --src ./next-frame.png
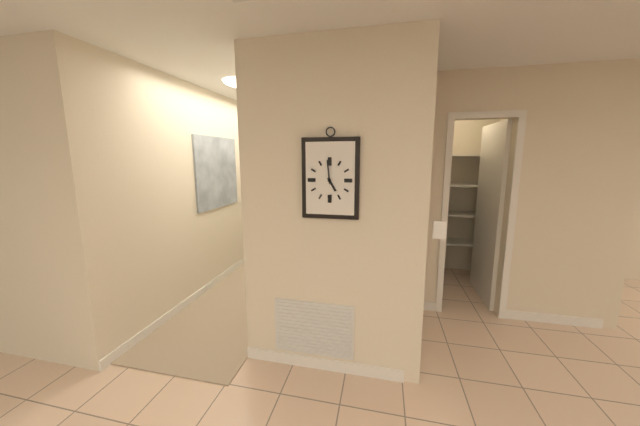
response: 4h59
